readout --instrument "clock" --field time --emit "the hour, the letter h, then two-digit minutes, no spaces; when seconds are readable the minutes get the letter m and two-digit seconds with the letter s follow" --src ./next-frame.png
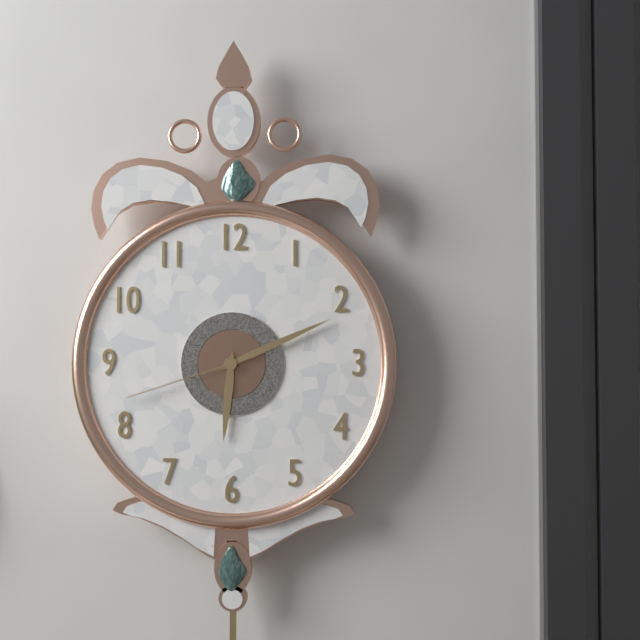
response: 6h11m42s
